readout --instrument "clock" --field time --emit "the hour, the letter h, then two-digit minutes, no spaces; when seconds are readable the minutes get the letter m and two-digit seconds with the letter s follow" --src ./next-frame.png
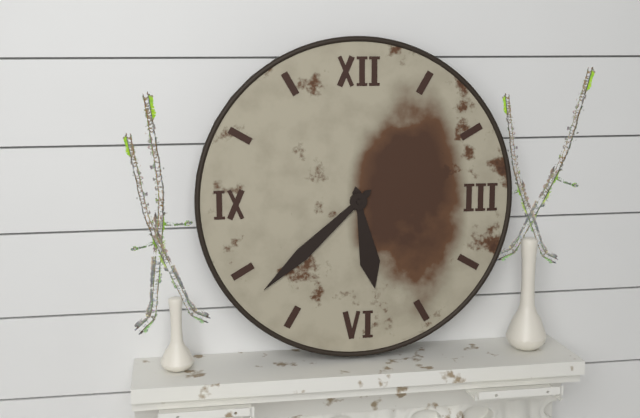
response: 5h38
